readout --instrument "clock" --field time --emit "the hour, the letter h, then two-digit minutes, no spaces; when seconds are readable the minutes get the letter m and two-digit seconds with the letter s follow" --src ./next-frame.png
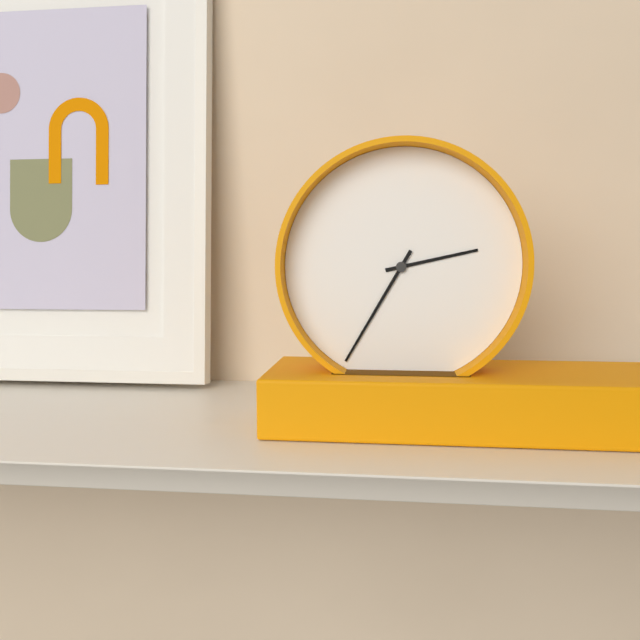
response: 2h35
